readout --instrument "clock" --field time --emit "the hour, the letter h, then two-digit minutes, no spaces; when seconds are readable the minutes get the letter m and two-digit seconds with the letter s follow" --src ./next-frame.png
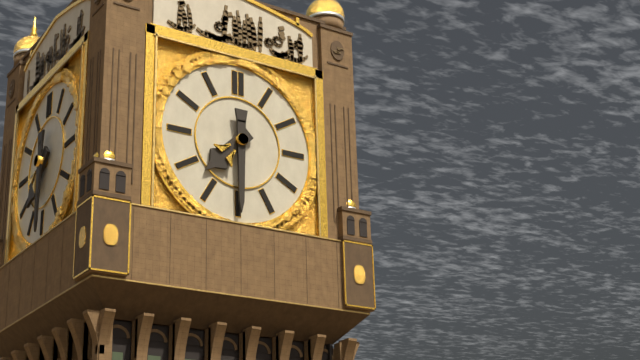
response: 7h30
